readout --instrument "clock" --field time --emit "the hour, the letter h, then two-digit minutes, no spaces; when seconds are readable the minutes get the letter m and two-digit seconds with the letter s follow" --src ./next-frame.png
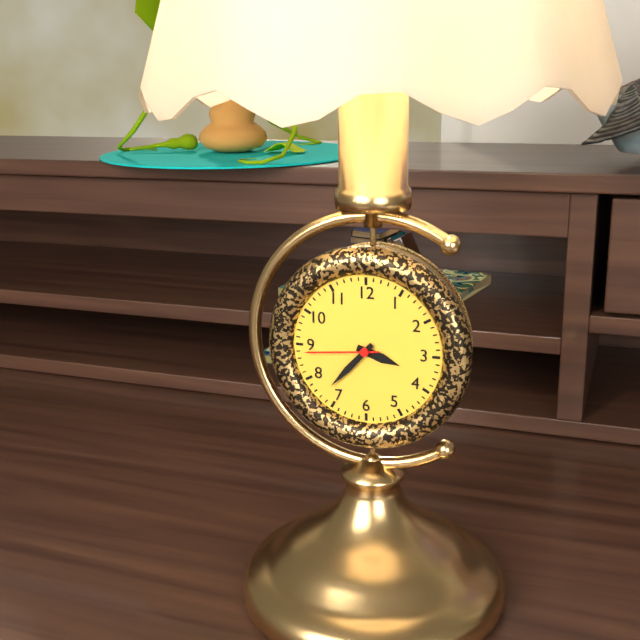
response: 3h37m44s
